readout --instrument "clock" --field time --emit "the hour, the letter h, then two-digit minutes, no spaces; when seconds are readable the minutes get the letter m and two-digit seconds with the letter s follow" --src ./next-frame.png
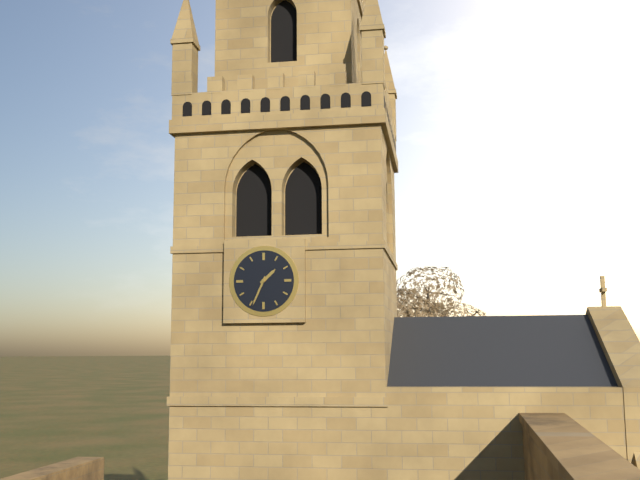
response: 1h34
